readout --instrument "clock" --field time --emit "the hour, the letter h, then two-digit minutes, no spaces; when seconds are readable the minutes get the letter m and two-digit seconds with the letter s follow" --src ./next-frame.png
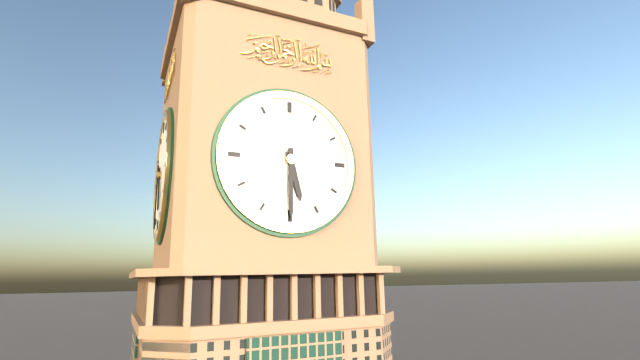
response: 5h30
